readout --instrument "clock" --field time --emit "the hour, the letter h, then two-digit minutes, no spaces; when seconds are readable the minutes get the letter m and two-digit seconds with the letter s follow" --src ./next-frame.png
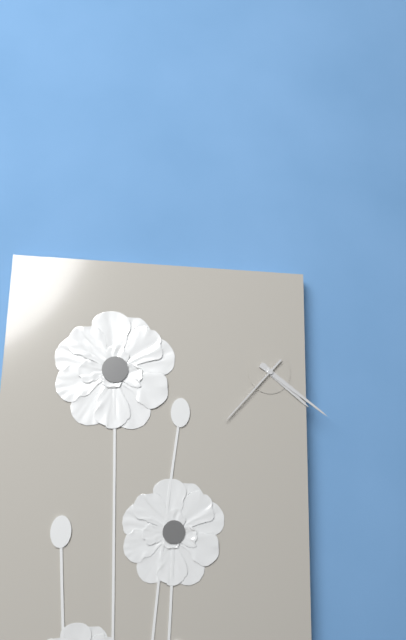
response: 4h21m37s
